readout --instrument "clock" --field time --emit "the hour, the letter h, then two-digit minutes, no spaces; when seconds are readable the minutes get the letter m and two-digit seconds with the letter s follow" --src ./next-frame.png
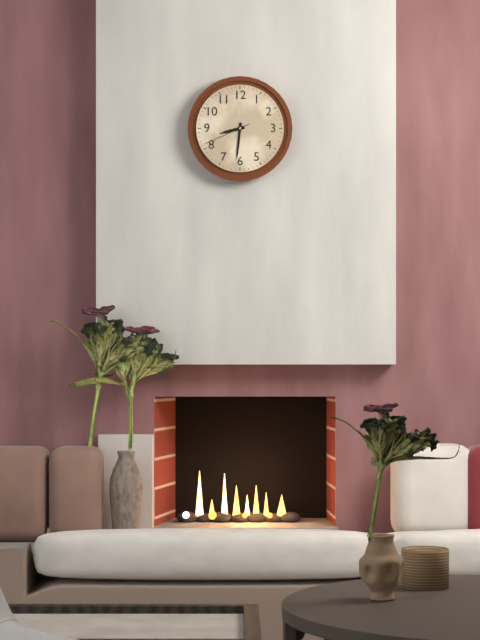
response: 8h31
